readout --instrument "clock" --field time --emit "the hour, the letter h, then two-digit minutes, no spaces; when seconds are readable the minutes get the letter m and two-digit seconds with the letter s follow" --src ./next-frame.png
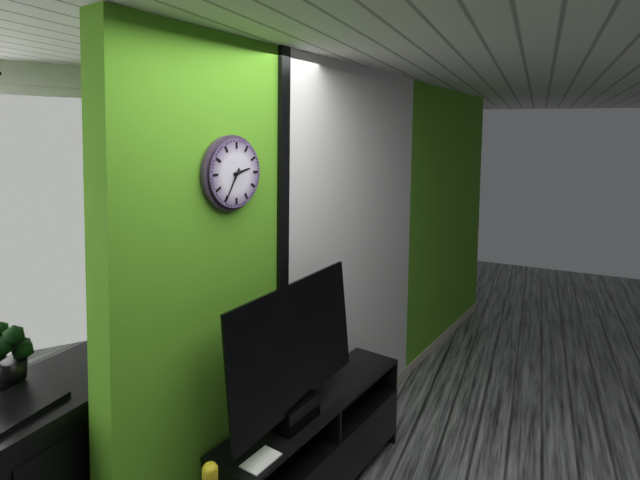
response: 2h35
